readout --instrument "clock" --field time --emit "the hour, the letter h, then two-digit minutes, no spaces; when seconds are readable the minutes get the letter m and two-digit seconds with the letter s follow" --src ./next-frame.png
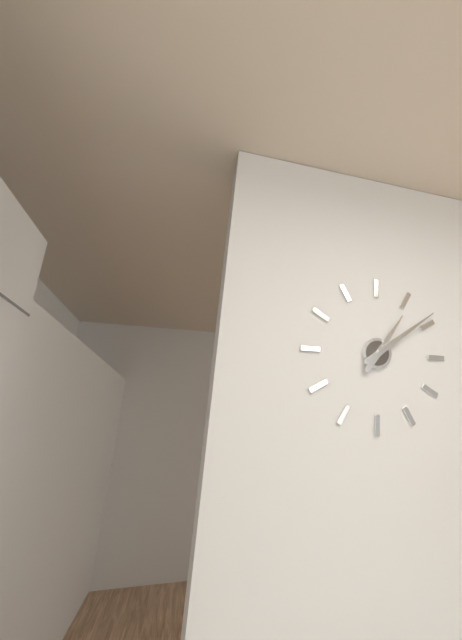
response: 1h09
